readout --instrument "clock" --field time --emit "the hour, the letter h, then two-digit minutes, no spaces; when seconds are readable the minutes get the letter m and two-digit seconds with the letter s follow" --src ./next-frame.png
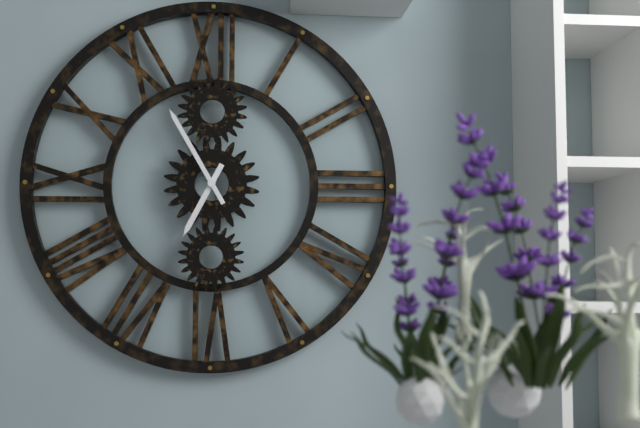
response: 6h55
